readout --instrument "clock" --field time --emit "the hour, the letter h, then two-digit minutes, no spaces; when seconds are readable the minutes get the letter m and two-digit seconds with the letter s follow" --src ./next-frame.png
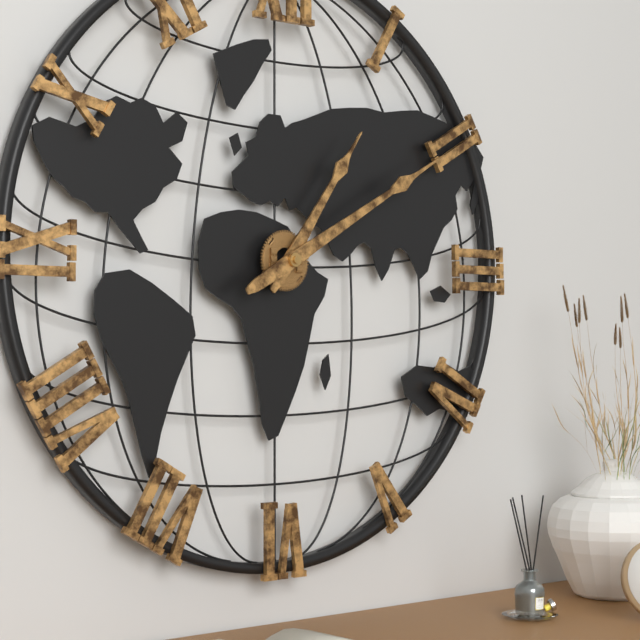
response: 1h10
